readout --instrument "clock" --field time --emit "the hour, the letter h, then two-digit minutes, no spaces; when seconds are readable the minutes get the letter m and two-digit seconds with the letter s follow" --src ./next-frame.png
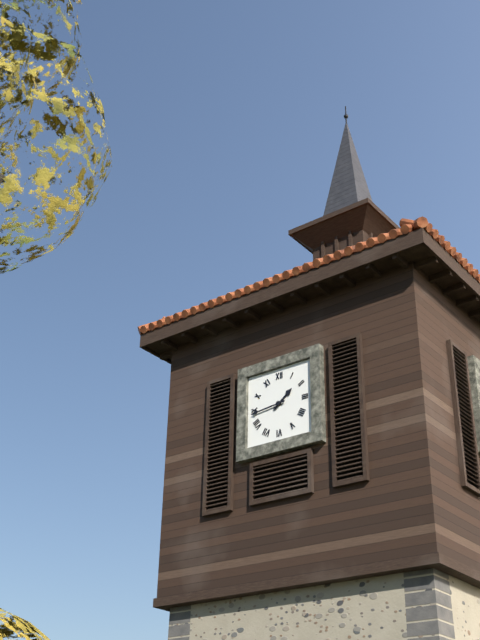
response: 1h44
